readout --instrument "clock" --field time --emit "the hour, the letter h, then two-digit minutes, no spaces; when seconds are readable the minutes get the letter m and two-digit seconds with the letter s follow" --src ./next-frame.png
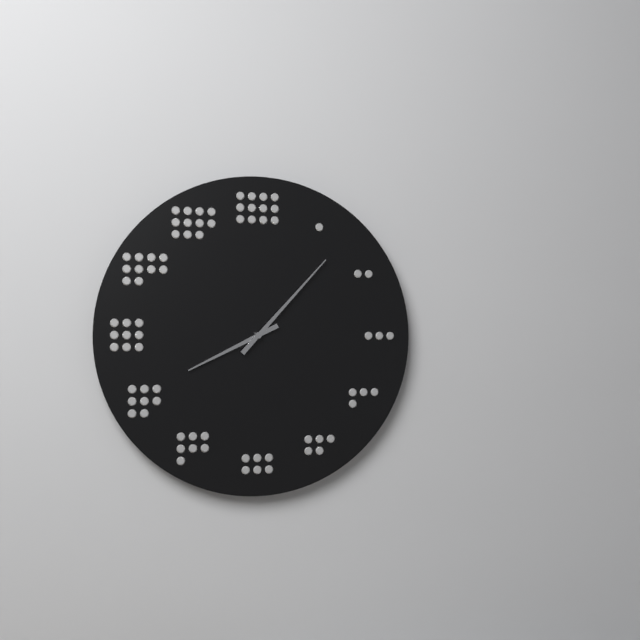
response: 8h07
